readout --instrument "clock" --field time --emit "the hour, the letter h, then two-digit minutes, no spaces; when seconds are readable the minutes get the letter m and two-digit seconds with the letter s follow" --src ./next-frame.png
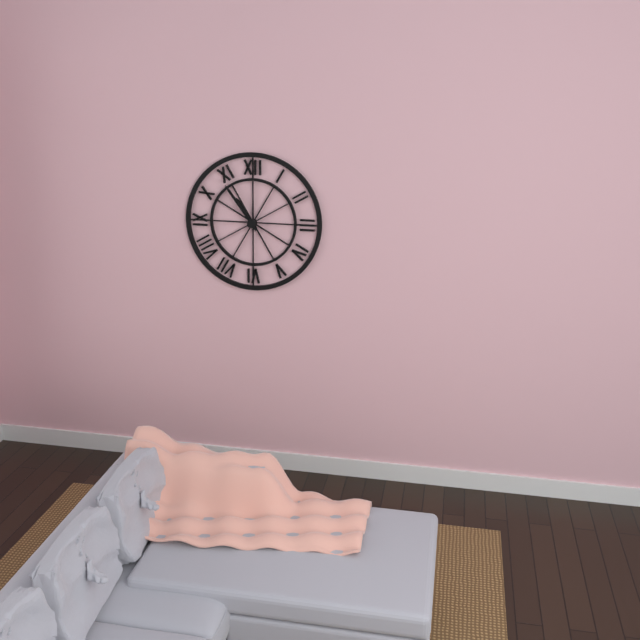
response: 10h54
